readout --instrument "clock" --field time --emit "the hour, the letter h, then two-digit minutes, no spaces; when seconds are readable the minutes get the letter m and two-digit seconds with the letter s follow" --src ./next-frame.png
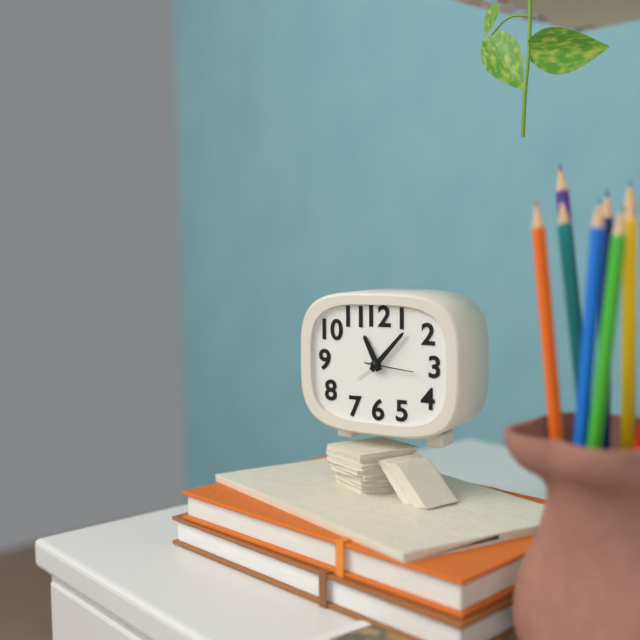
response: 11h07
